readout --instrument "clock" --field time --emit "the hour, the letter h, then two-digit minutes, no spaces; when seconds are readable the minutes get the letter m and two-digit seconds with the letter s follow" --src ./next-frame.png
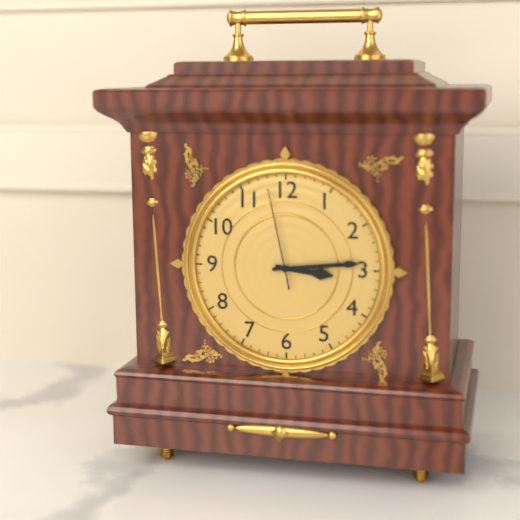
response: 3h14m58s
